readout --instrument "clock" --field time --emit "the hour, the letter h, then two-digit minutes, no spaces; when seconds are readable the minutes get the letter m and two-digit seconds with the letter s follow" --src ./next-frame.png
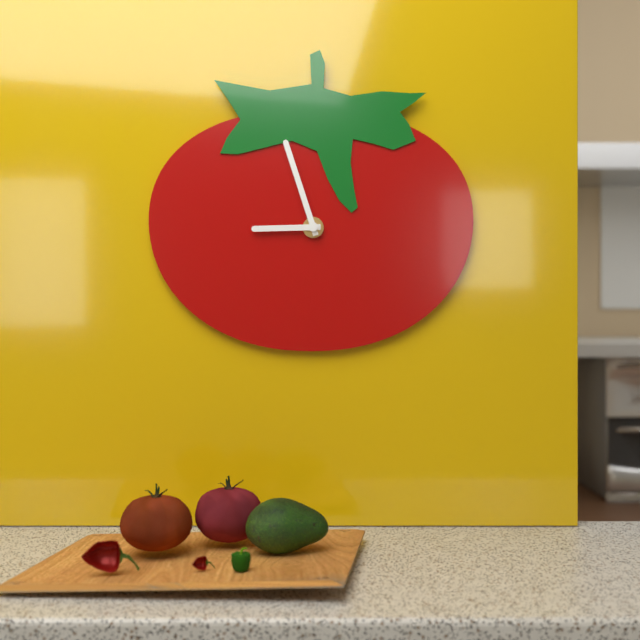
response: 8h57
